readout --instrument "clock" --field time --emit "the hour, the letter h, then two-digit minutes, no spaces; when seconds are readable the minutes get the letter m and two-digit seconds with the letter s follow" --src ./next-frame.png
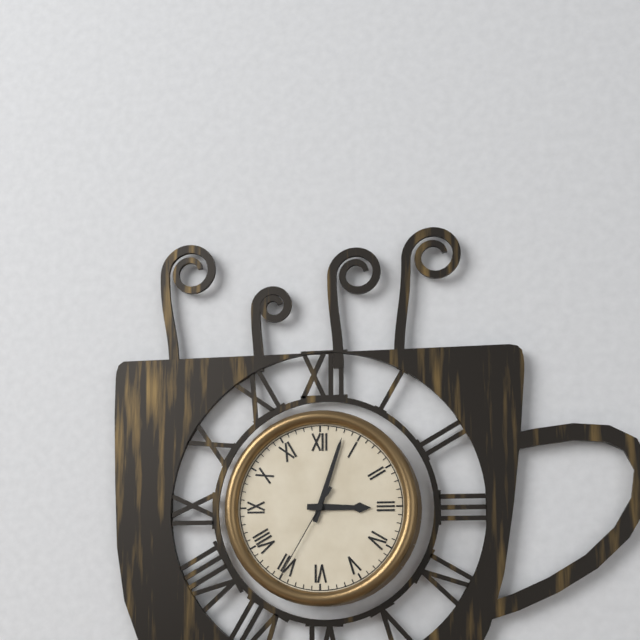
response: 3h03m35s
